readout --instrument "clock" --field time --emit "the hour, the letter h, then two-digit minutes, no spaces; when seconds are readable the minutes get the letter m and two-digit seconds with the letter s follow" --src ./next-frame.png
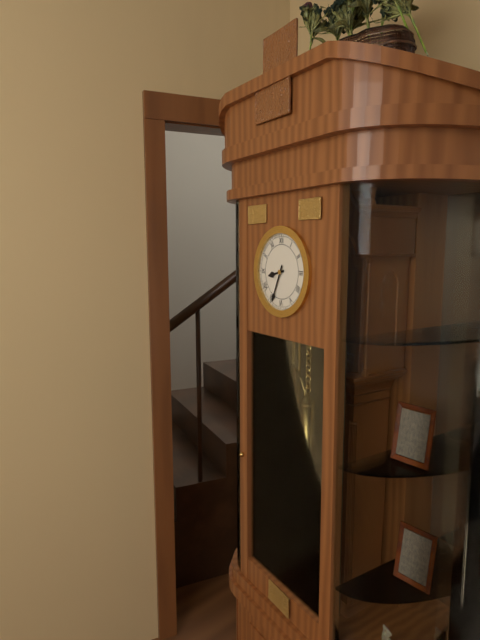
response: 8h34
